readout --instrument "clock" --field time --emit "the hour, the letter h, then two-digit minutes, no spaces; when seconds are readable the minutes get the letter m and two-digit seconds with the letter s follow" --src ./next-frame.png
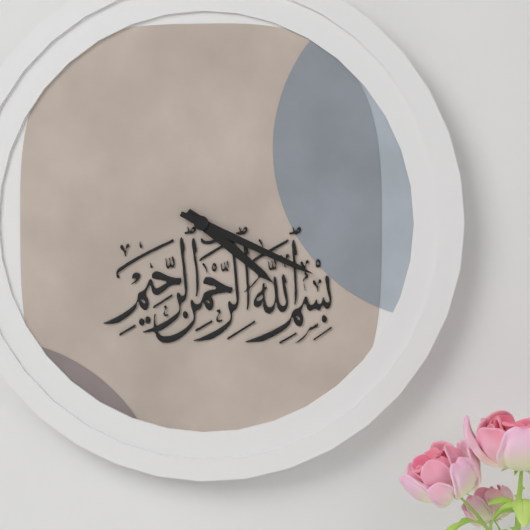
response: 4h19
